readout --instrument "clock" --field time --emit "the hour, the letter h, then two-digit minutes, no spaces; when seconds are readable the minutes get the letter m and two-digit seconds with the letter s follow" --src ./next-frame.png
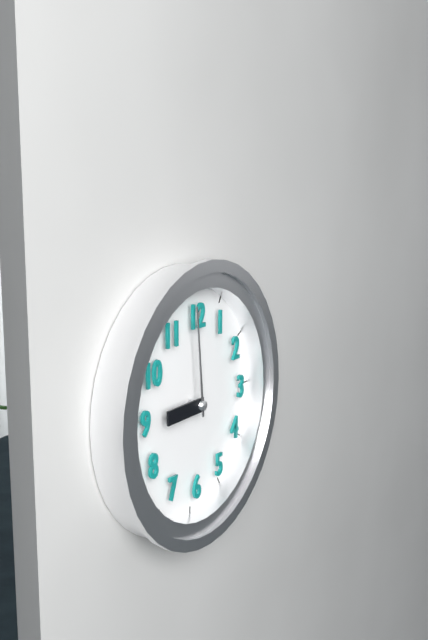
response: 8h59
